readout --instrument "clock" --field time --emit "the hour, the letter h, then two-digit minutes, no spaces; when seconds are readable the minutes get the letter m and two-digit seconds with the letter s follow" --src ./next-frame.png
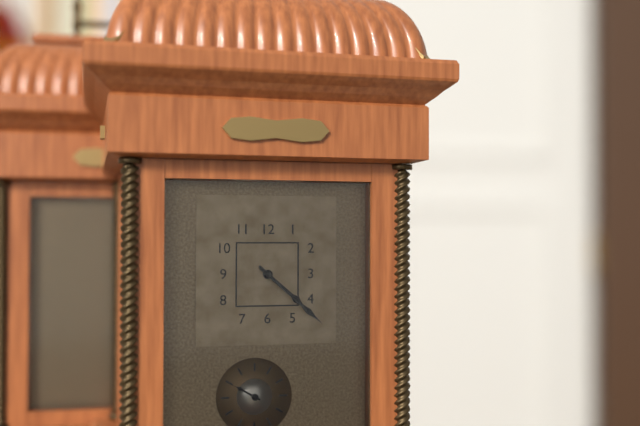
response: 4h22
